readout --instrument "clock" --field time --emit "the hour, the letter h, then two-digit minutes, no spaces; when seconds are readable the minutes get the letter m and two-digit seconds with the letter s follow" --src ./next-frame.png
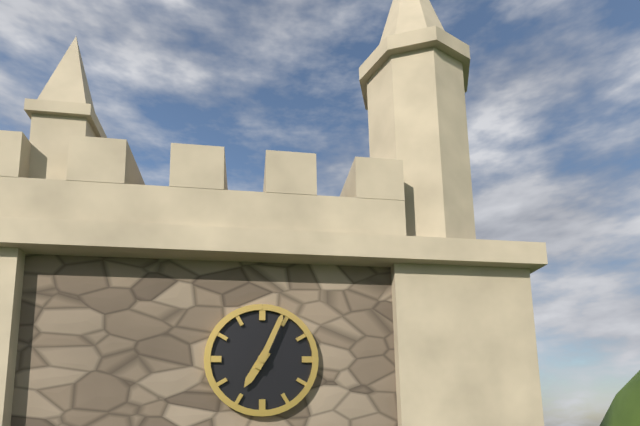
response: 7h04
